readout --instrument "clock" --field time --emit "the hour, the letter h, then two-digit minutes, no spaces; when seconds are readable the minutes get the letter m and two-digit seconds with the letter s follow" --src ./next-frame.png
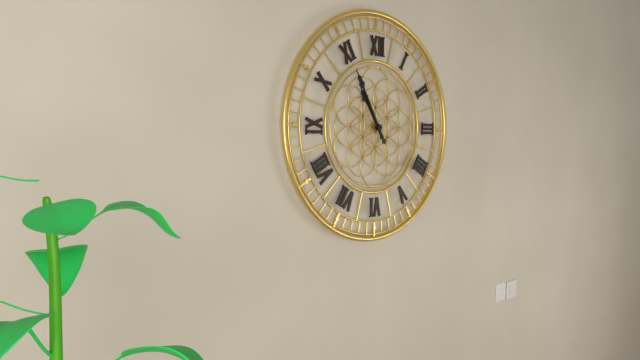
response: 10h55
